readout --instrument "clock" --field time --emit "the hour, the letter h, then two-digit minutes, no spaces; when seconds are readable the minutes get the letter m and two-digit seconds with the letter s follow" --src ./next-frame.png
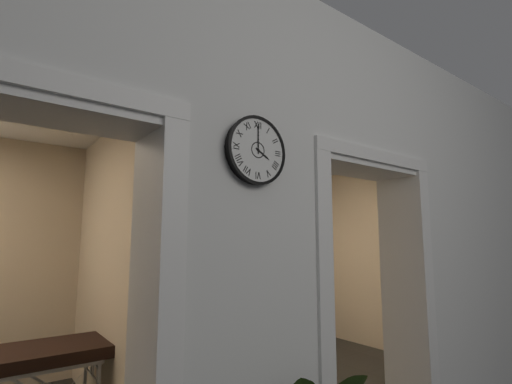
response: 4h00
